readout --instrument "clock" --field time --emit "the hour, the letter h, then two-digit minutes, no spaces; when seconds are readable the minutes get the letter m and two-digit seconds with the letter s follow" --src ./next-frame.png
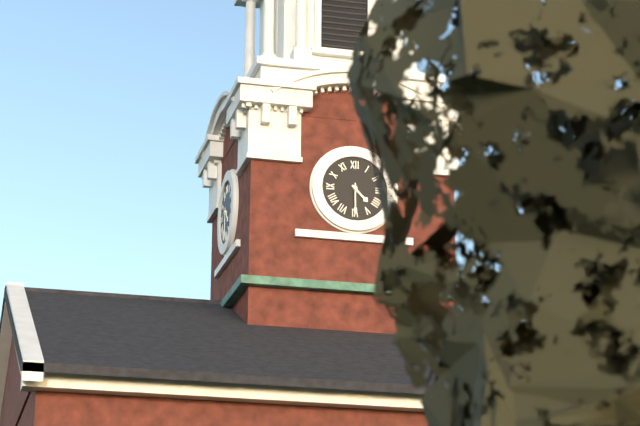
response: 4h30
